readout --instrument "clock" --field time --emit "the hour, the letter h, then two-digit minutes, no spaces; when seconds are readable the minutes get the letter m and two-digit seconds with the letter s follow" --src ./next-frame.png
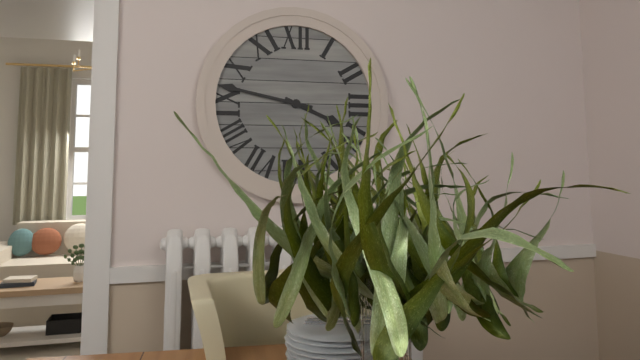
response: 3h47
